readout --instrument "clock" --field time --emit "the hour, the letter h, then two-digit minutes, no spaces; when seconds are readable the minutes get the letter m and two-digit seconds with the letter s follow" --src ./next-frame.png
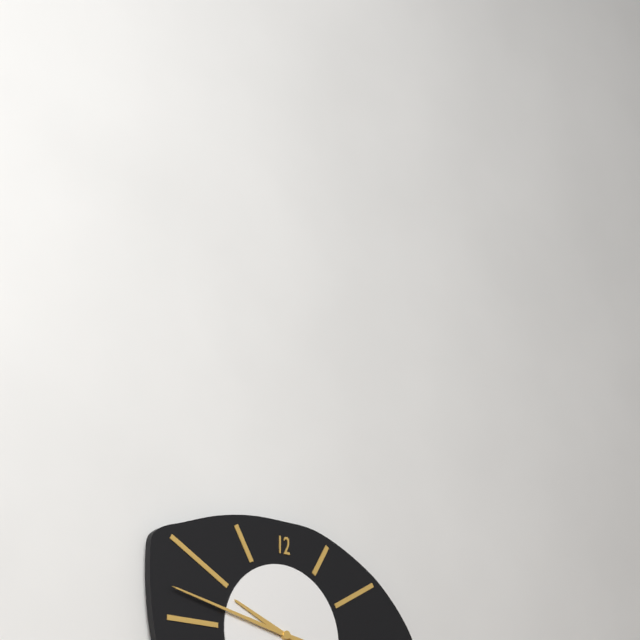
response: 9h47
